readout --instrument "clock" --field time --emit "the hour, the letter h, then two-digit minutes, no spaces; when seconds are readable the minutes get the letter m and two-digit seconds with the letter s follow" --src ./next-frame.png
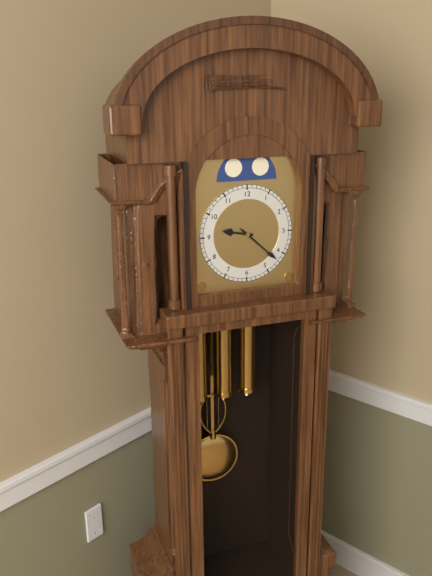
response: 9h22
